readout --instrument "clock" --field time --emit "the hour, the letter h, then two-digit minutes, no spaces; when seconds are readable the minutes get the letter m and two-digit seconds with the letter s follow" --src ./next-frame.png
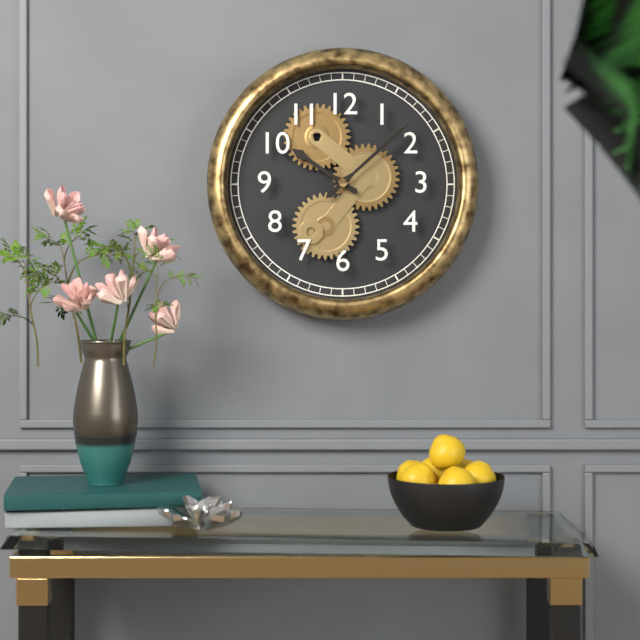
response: 10h08
